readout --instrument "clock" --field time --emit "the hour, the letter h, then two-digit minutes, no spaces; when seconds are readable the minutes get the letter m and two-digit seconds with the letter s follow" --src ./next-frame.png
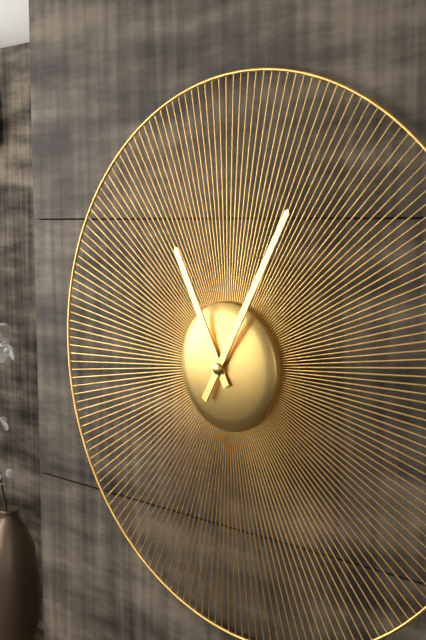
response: 11h05
